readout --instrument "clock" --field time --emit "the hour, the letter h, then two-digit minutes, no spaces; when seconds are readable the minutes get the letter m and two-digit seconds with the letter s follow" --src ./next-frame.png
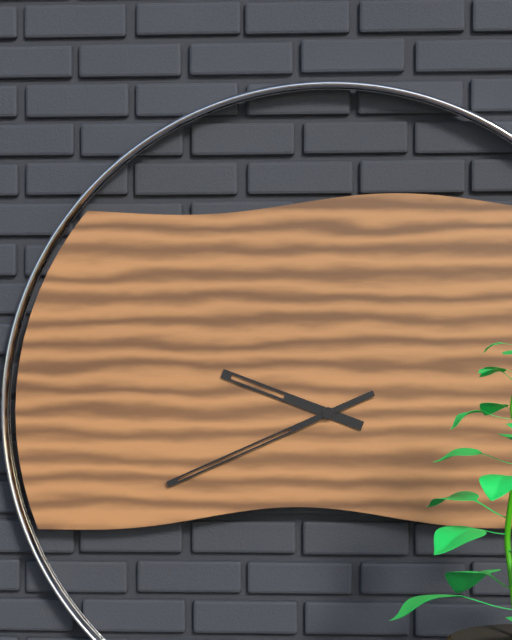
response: 9h41
